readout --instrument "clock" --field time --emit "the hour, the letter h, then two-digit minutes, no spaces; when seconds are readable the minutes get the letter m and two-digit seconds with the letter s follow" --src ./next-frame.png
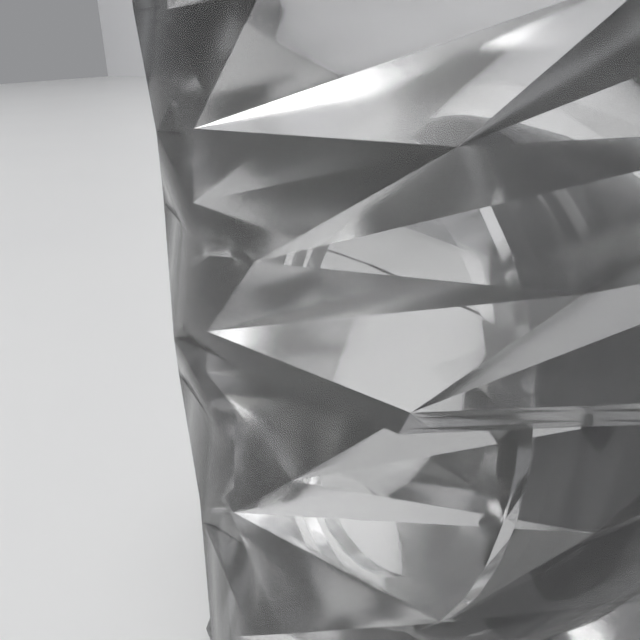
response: 4h48m33s
